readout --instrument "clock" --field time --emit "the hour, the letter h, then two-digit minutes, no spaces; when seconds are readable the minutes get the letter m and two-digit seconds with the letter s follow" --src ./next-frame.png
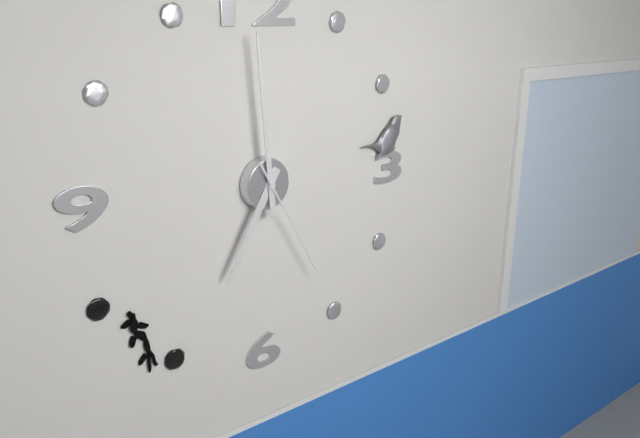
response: 6h59m25s
